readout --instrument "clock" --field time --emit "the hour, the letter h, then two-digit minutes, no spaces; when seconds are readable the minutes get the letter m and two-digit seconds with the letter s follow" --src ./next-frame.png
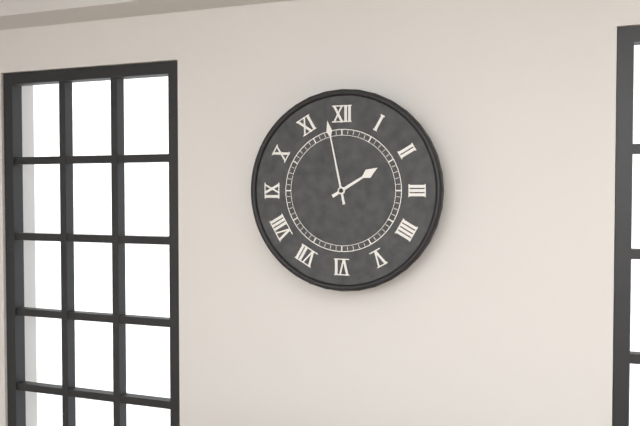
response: 1h58
